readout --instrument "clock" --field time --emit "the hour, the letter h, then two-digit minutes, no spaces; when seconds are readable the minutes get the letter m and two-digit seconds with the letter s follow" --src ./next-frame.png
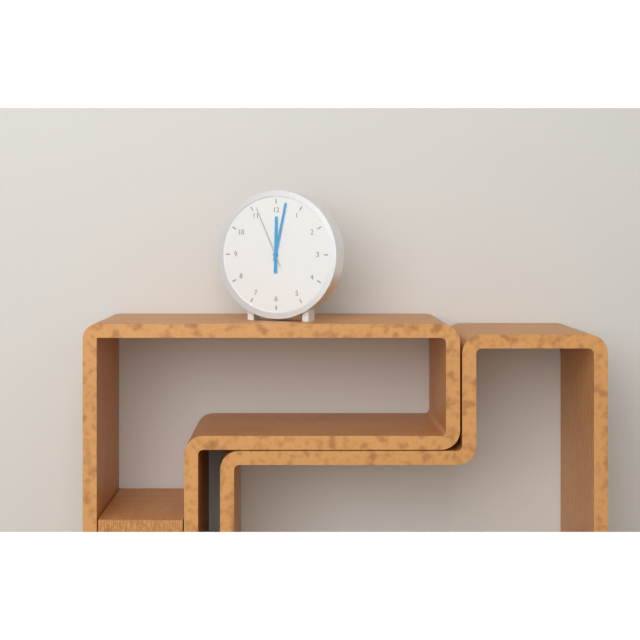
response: 12h02m56s
